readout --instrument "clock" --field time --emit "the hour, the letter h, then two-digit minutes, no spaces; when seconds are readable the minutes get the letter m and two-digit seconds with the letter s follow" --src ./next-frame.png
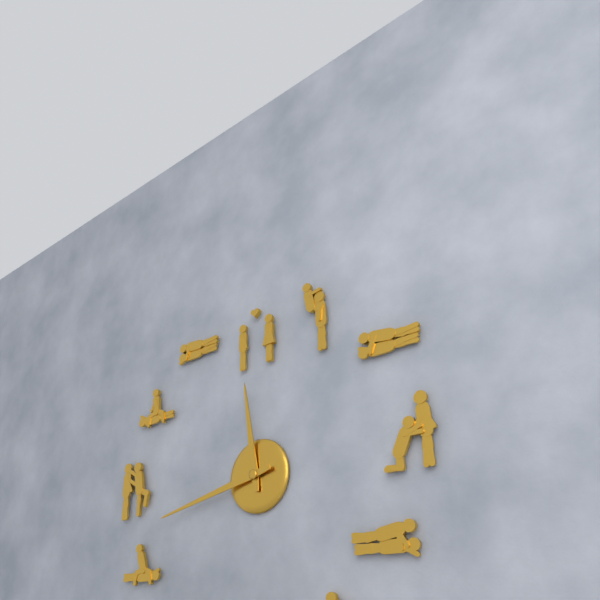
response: 11h43
